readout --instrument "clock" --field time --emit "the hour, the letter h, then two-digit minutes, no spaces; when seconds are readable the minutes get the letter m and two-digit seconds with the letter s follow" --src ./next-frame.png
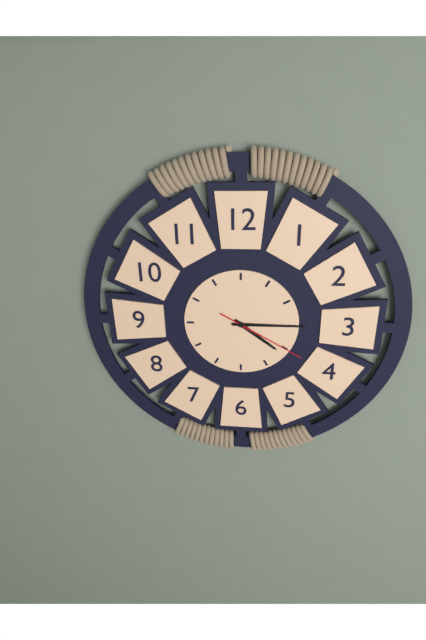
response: 4h15m20s
